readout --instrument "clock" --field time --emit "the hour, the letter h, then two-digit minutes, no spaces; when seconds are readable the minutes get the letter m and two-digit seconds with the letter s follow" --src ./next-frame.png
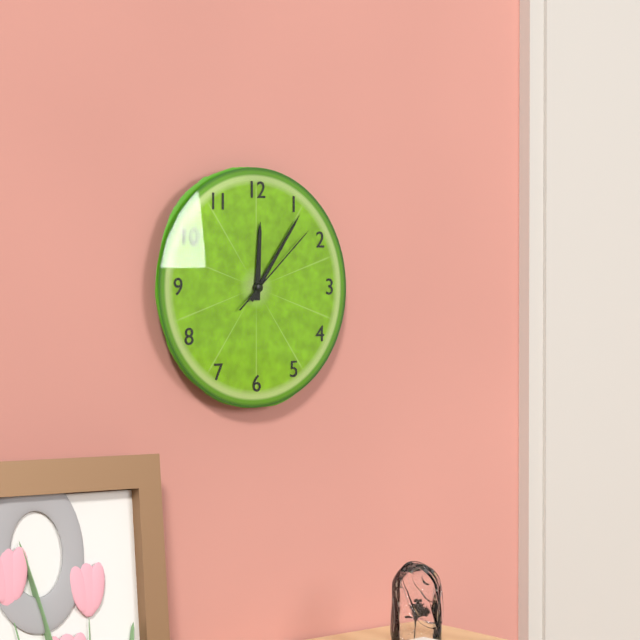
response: 12h06m08s
